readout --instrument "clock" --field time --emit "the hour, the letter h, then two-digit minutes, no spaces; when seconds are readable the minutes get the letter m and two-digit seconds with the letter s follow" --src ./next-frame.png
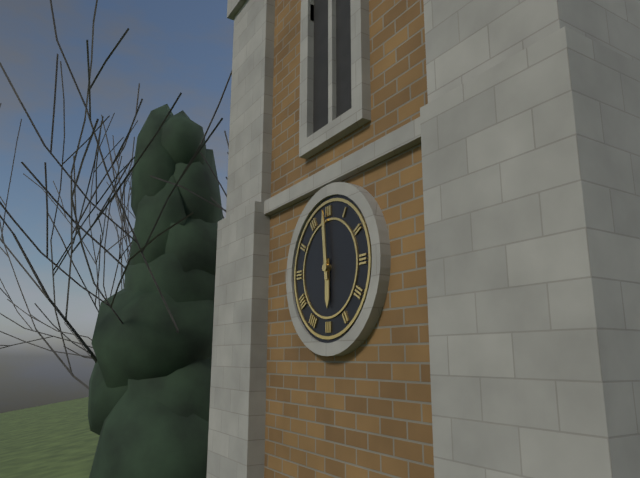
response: 5h59
